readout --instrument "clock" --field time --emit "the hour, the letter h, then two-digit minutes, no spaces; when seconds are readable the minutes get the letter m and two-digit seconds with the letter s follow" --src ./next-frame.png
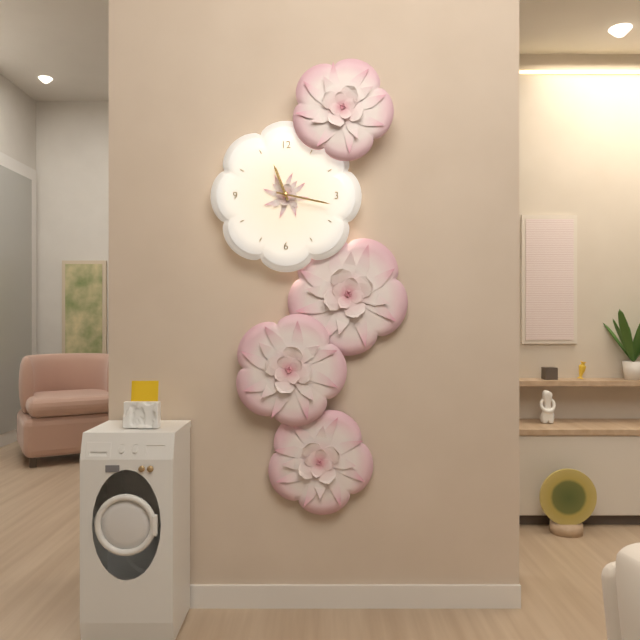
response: 11h17
